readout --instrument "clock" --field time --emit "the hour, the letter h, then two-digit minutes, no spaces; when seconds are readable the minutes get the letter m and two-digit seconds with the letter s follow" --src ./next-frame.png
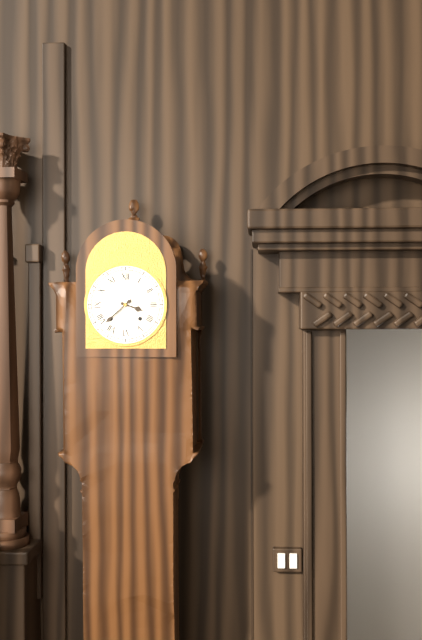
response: 3h38
